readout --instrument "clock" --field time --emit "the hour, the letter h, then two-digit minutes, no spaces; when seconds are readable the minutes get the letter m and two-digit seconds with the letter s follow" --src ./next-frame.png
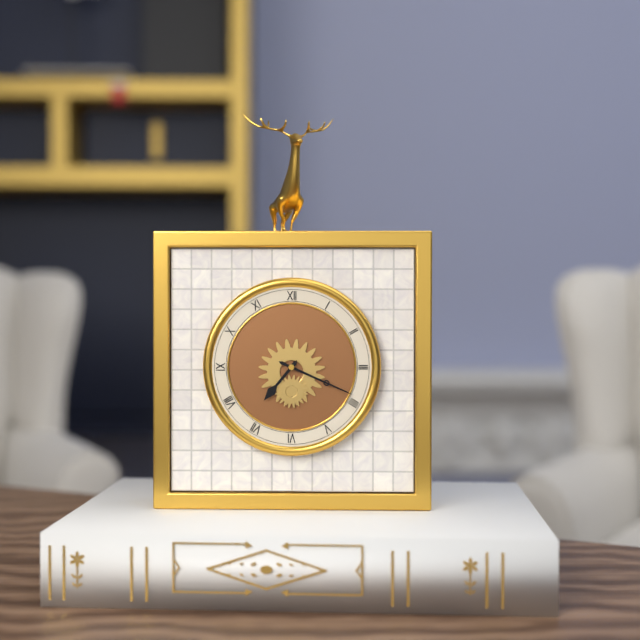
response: 7h19
